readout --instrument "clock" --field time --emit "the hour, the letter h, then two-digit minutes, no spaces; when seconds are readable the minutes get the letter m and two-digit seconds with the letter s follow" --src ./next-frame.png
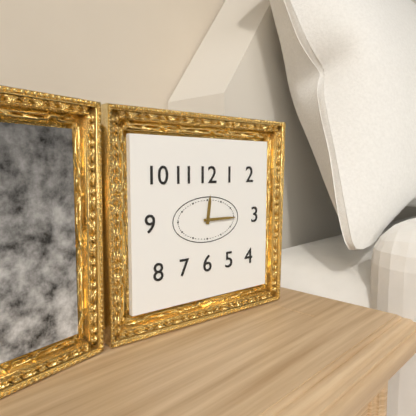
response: 12h15
